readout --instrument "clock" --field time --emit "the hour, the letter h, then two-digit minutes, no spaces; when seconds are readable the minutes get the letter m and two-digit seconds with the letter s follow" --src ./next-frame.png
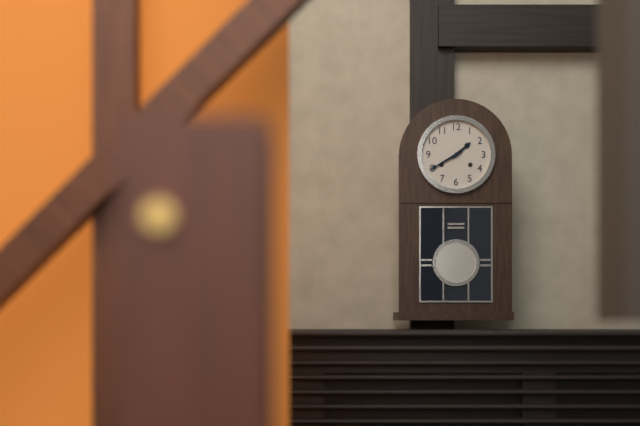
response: 1h40
